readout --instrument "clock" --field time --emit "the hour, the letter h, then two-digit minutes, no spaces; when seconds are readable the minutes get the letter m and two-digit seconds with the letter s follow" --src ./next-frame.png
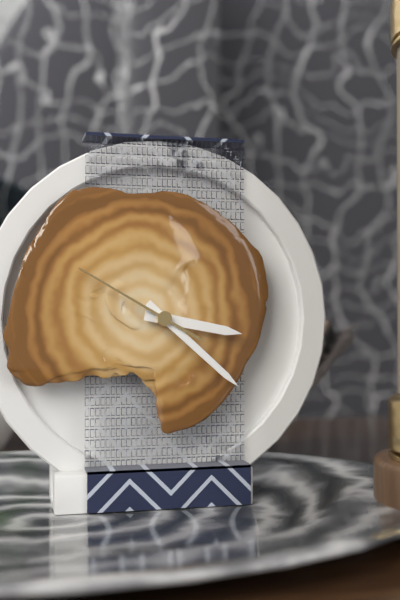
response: 3h22m50s
